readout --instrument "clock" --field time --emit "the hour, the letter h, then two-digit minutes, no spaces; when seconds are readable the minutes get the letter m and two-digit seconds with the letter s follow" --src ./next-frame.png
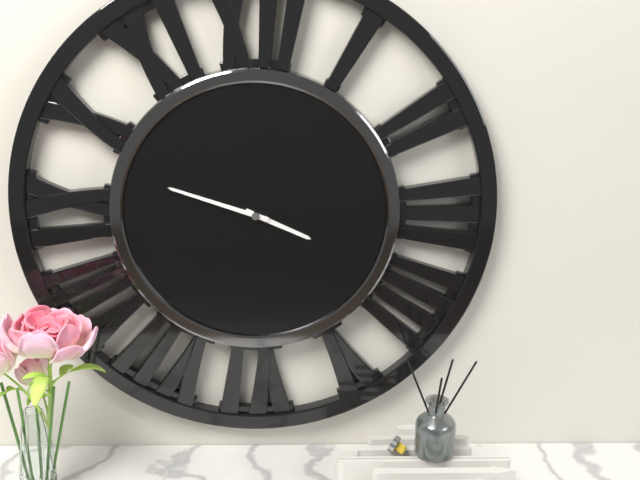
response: 3h48
